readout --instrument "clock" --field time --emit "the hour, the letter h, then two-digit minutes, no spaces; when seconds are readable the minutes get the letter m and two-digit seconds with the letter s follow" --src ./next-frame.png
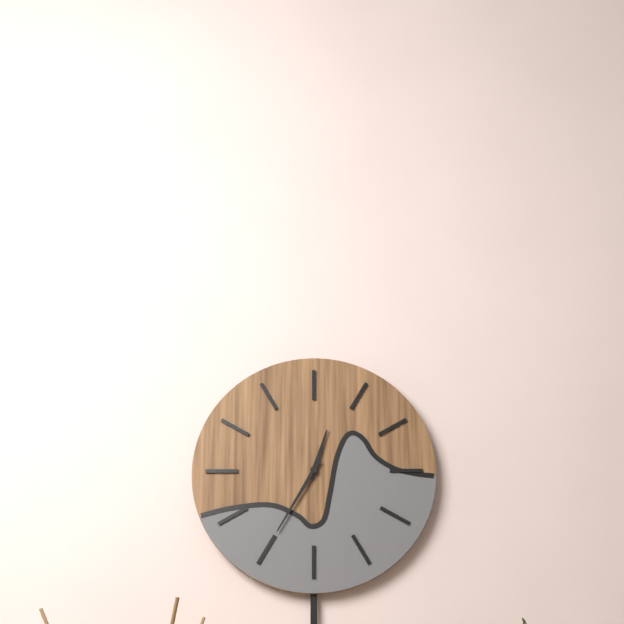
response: 12h35
